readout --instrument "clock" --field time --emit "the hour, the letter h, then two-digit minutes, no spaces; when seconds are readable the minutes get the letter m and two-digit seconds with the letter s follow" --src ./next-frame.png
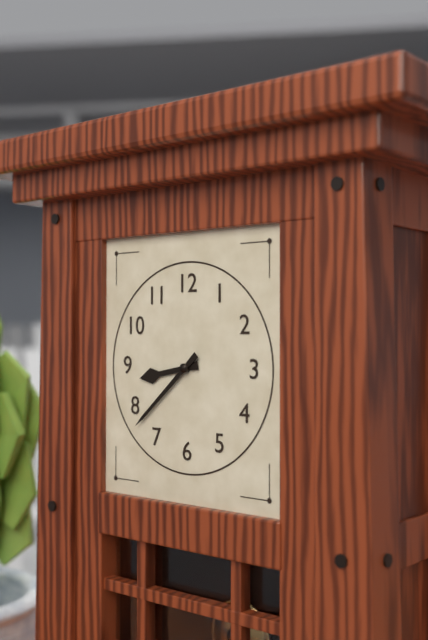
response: 8h38
